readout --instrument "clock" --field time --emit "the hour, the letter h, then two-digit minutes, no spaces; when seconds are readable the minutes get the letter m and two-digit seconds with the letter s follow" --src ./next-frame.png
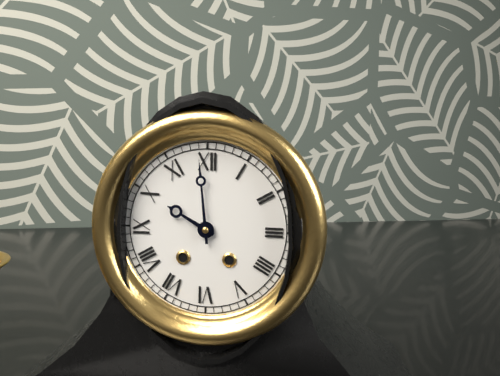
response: 9h59
